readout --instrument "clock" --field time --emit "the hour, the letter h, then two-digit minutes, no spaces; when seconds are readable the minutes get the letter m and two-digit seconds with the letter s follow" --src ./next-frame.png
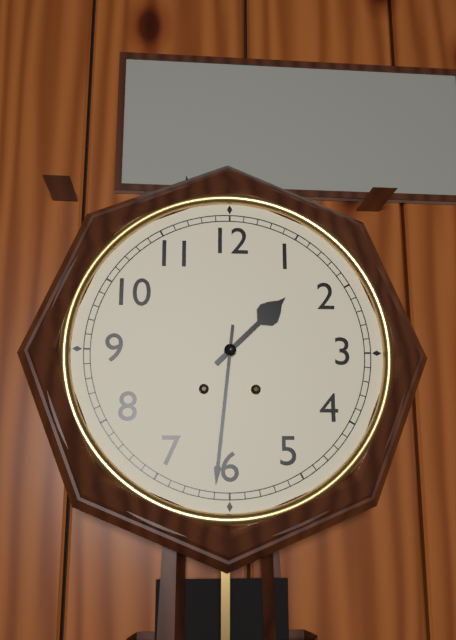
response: 1h31
